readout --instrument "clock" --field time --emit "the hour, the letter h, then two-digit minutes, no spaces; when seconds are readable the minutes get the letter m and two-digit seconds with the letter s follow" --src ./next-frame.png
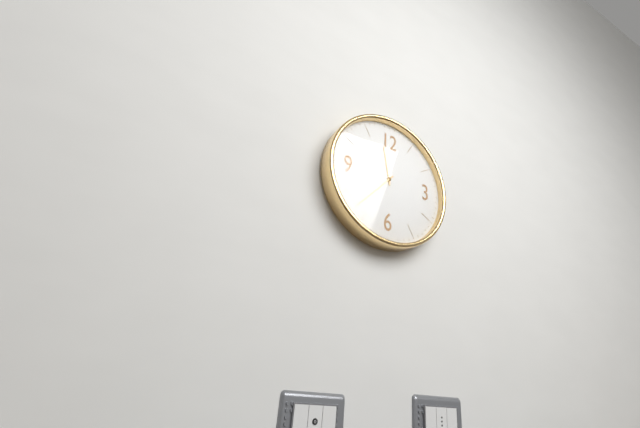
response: 11h37
